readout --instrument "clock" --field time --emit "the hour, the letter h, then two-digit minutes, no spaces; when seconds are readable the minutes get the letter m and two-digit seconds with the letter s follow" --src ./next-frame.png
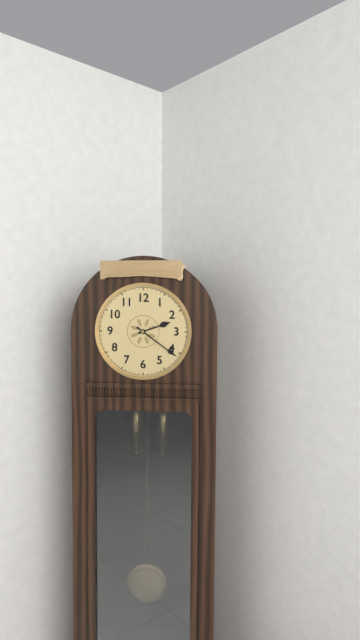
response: 2h21
